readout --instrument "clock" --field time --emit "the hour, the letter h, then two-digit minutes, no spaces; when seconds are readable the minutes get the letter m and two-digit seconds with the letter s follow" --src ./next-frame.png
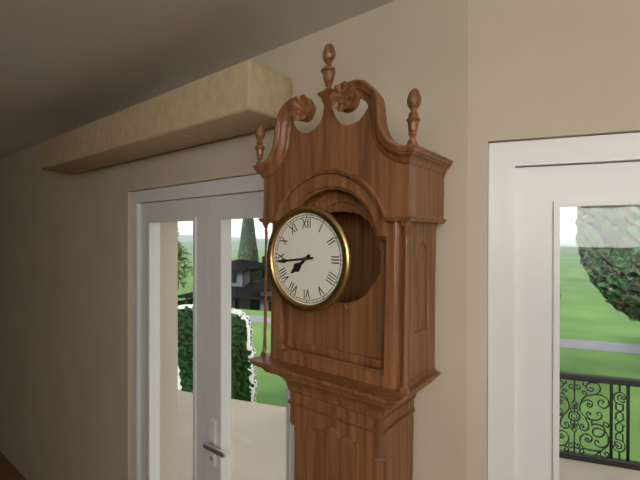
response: 7h44
